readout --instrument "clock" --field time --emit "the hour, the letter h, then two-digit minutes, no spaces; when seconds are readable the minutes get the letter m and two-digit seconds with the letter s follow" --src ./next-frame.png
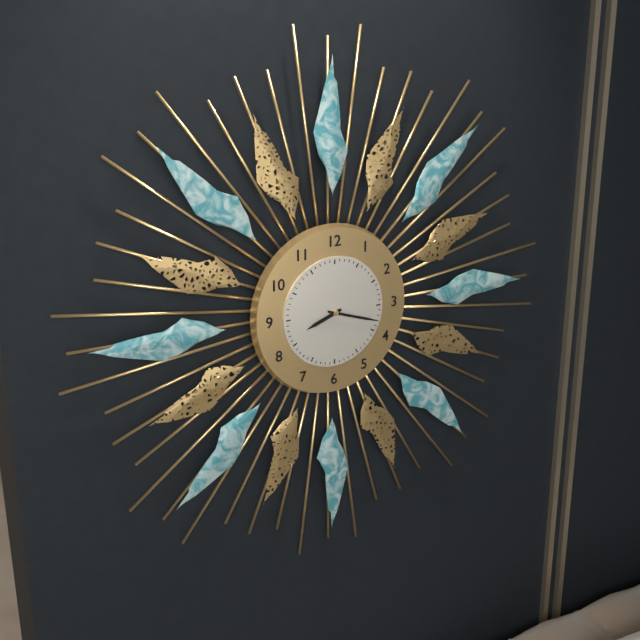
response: 8h18
